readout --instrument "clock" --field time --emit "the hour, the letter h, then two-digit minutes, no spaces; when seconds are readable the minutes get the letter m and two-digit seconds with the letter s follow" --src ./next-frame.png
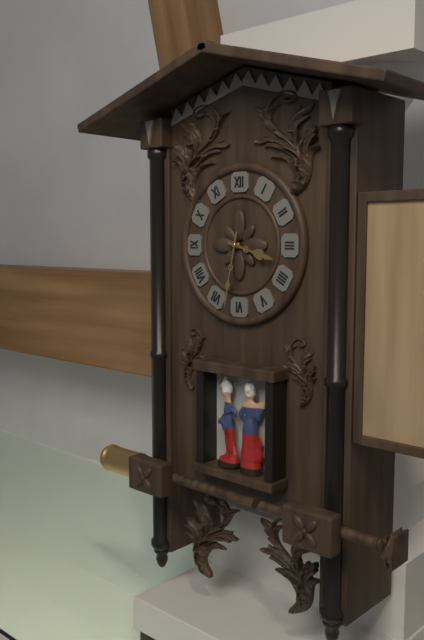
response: 3h32
